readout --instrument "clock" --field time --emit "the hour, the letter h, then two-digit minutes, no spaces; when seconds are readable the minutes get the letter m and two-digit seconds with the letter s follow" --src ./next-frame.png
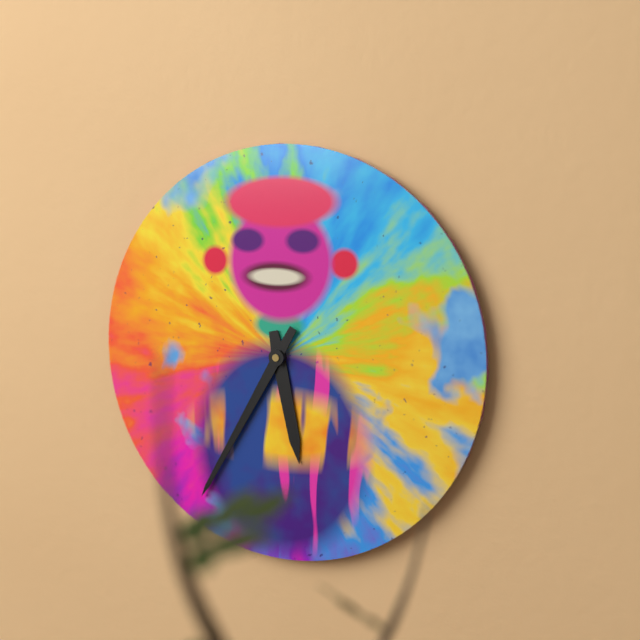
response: 5h35
